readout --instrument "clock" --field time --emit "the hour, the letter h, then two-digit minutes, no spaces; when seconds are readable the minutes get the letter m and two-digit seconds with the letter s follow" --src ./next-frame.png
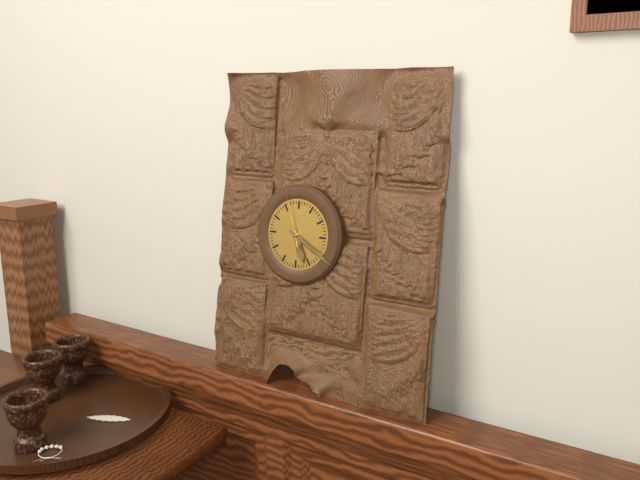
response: 5h20m57s
